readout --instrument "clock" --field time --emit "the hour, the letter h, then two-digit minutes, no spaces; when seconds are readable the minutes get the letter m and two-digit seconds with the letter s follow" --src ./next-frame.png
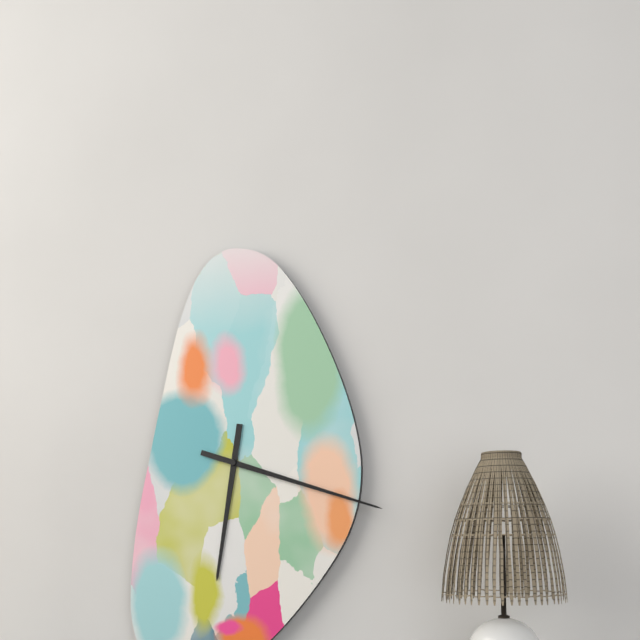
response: 6h18
